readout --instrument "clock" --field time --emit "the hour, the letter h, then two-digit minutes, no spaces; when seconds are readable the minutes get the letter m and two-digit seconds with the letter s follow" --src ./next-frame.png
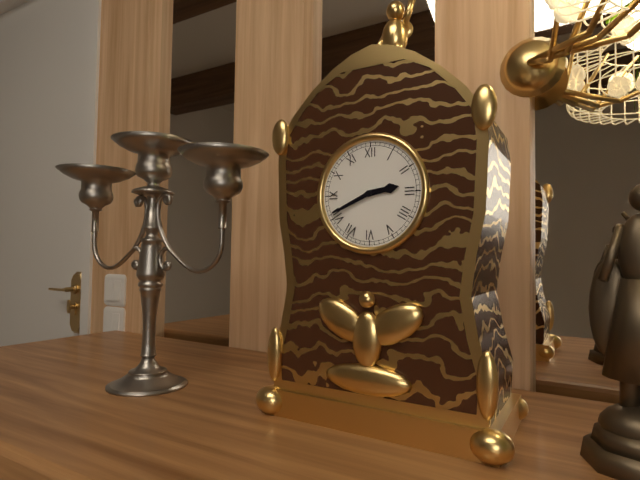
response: 2h41
